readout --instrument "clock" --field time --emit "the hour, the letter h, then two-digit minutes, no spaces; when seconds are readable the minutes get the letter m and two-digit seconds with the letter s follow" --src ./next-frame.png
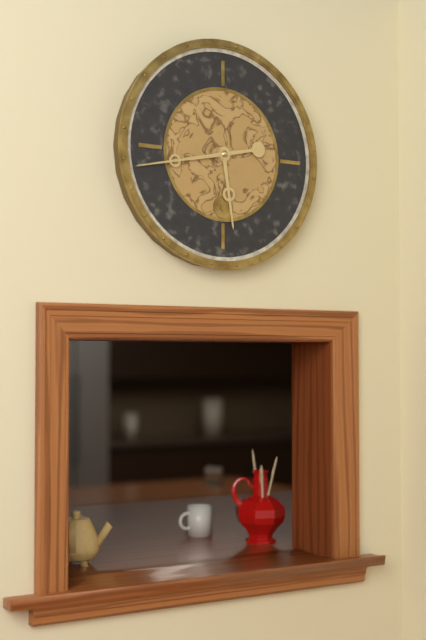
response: 5h43
